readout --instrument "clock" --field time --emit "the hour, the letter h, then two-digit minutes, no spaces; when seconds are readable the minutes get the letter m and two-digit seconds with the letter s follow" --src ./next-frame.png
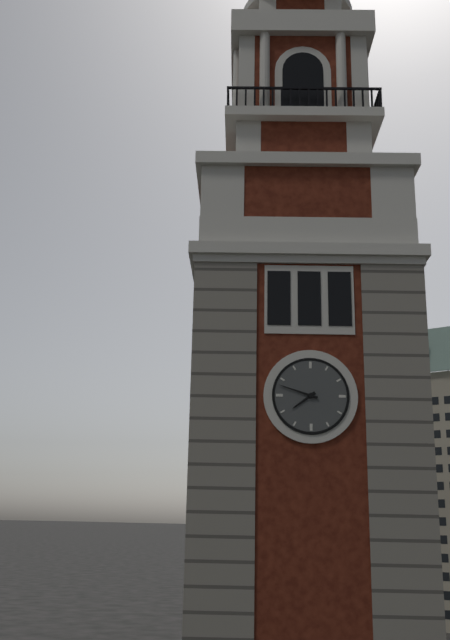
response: 7h48
